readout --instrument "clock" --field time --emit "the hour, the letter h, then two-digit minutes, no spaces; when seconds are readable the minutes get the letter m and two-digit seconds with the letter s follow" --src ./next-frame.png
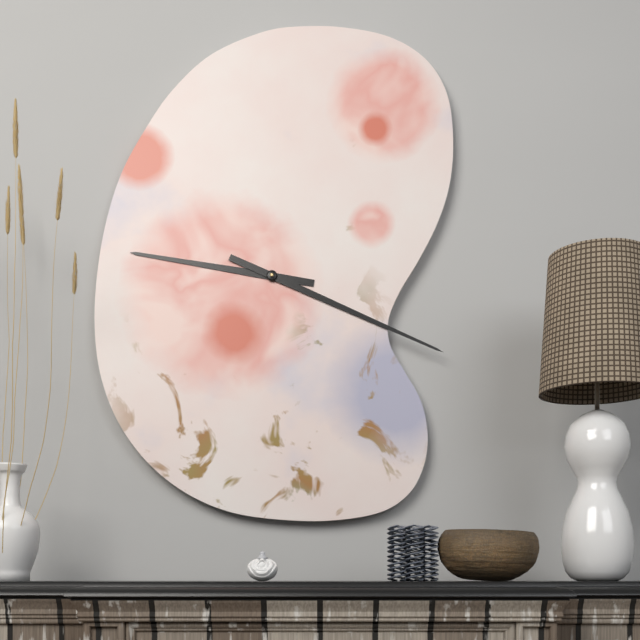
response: 9h19
